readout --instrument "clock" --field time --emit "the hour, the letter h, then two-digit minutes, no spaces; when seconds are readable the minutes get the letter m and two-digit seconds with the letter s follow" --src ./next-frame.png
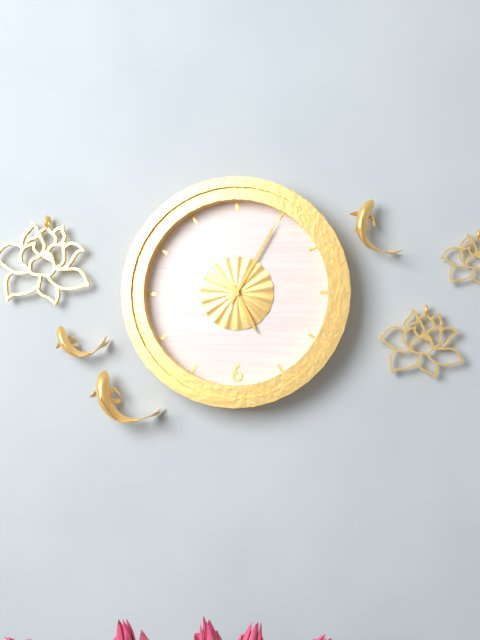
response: 5h05
